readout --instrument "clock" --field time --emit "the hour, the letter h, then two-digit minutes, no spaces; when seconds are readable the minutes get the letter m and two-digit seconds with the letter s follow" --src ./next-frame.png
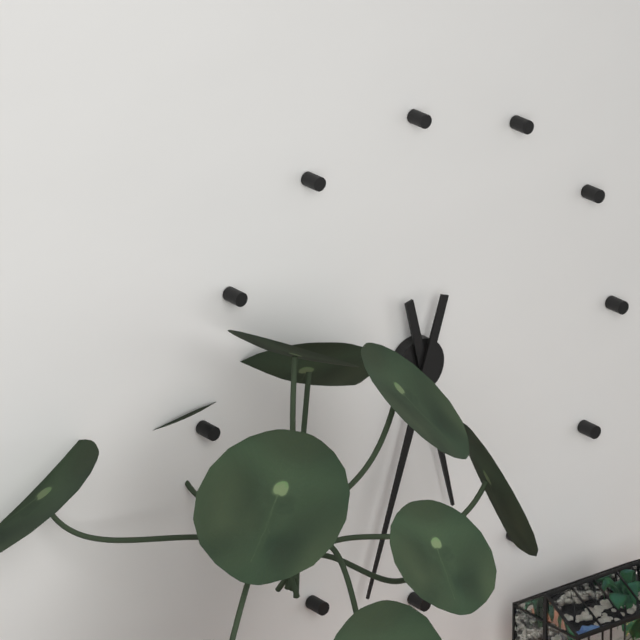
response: 5h33
